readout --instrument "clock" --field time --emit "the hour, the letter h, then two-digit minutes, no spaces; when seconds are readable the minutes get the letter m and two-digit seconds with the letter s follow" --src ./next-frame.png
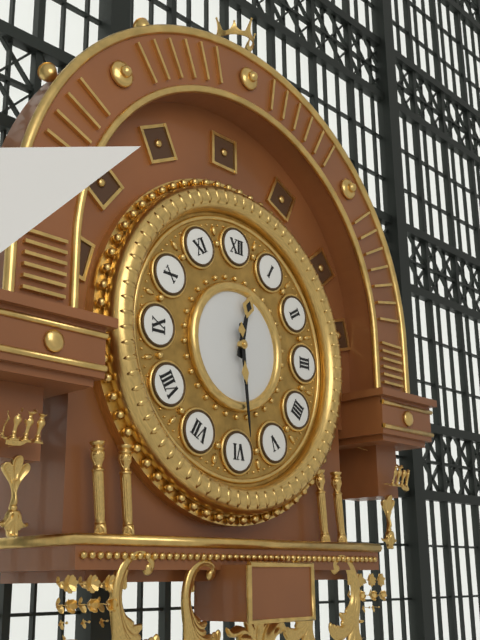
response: 12h29
